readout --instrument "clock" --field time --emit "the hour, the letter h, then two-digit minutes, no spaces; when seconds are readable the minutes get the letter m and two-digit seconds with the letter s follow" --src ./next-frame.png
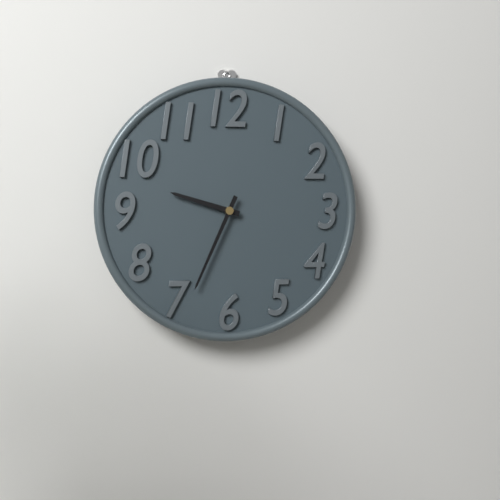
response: 9h34
